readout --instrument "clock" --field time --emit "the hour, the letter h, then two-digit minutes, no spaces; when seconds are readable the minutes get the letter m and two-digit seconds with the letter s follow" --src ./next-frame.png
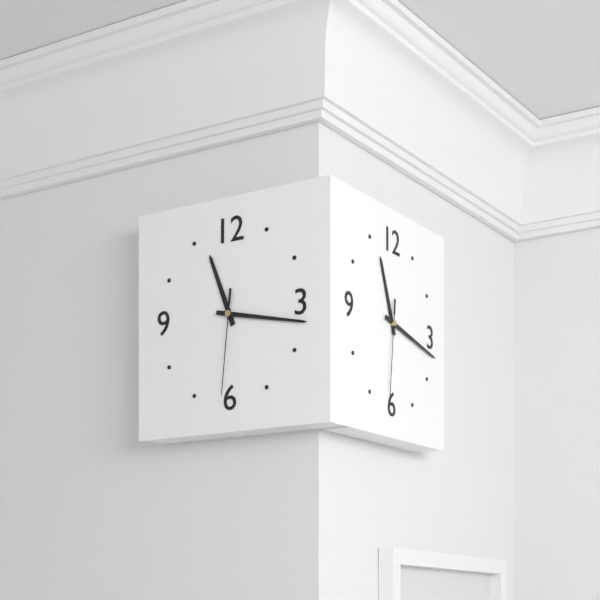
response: 11h17m31s
